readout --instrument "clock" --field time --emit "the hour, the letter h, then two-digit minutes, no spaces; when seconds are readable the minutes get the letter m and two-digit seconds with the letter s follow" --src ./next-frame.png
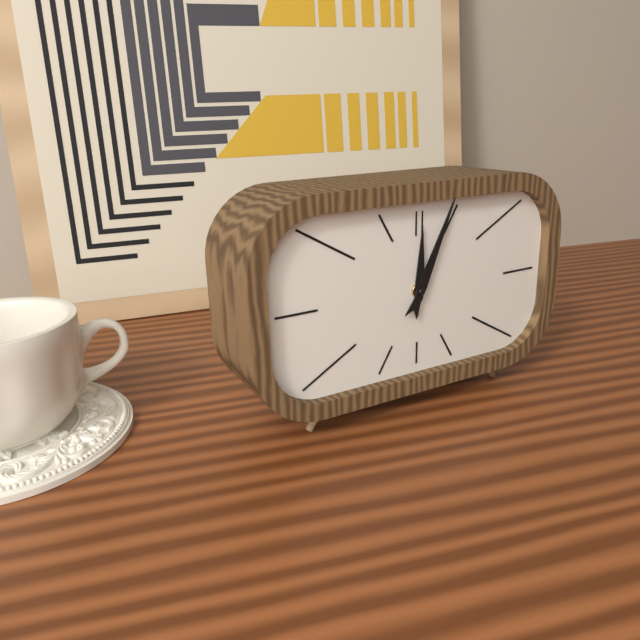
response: 12h04
